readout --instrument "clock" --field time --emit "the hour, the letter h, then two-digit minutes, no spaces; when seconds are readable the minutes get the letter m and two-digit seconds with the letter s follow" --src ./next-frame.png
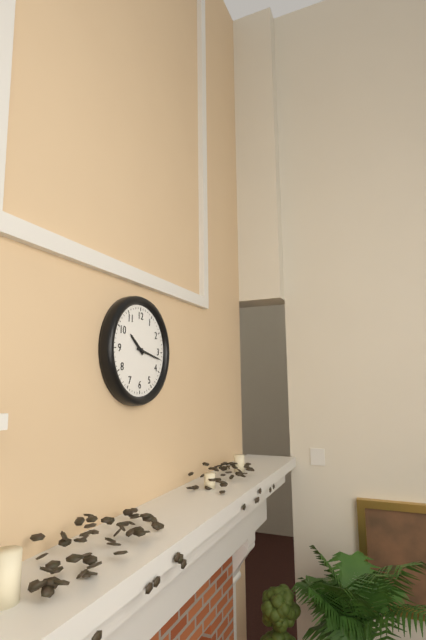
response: 10h17
